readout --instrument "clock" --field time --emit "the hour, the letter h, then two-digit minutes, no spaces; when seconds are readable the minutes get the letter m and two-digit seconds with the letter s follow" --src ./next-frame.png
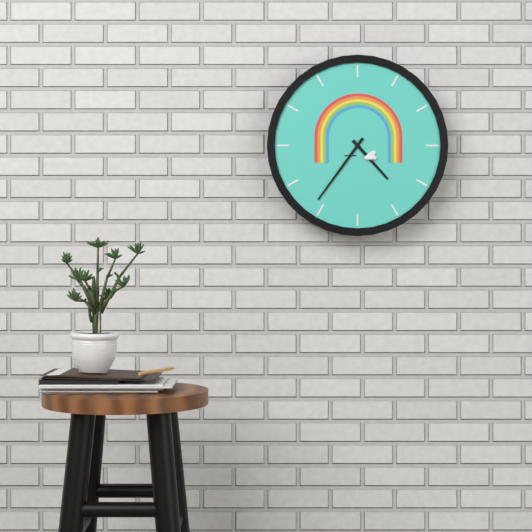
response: 4h36
